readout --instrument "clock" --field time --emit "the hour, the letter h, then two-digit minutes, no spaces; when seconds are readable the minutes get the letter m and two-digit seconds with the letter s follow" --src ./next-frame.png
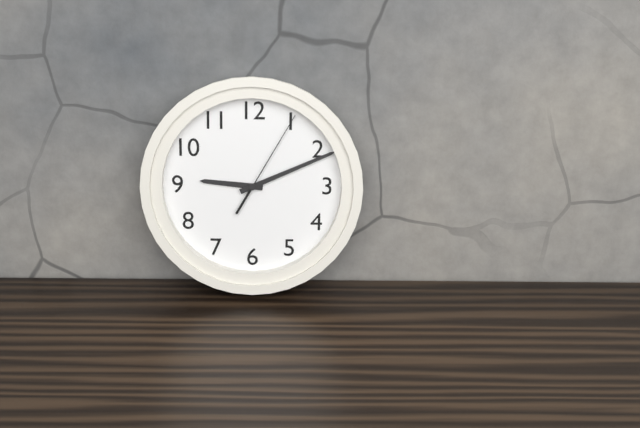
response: 9h11m05s
